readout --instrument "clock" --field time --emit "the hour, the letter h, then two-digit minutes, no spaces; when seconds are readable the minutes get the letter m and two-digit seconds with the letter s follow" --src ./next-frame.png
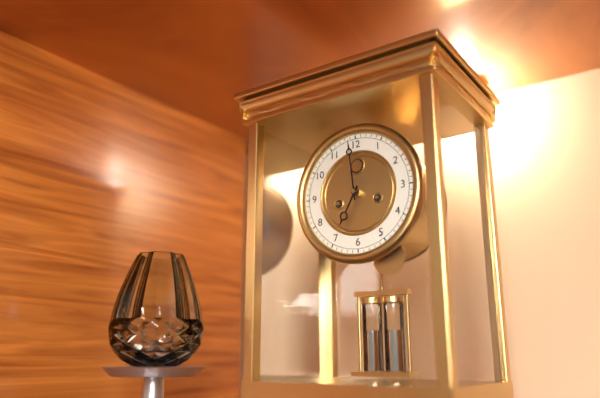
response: 6h59
